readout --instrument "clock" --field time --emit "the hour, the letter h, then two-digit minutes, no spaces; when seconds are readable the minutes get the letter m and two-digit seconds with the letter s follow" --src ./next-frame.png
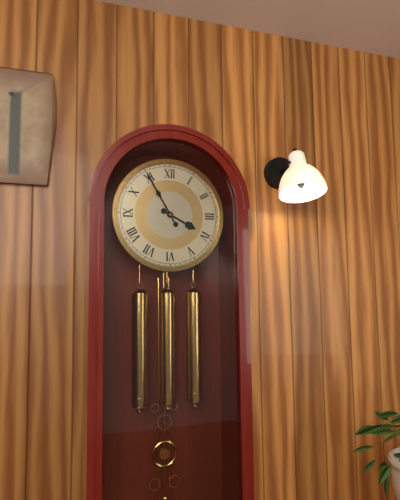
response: 3h55
